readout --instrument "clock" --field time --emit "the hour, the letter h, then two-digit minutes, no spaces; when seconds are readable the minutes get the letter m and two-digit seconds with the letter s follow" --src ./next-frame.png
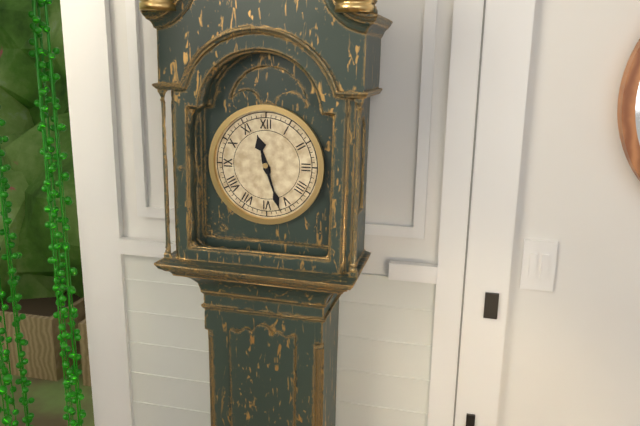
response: 11h27
